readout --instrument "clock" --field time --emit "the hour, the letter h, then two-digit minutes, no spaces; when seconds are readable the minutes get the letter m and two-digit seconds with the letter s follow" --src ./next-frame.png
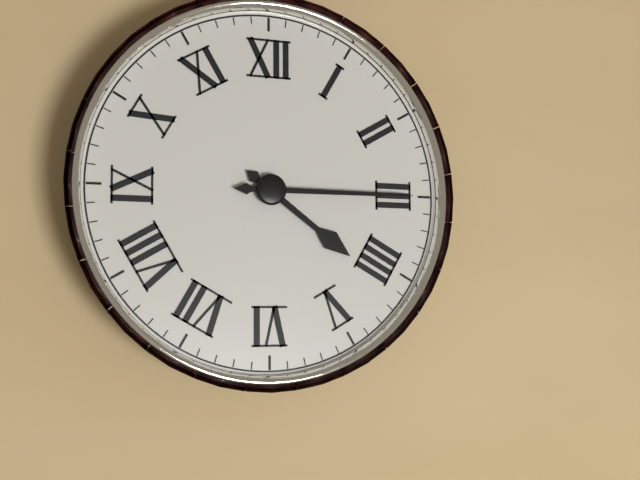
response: 4h15
